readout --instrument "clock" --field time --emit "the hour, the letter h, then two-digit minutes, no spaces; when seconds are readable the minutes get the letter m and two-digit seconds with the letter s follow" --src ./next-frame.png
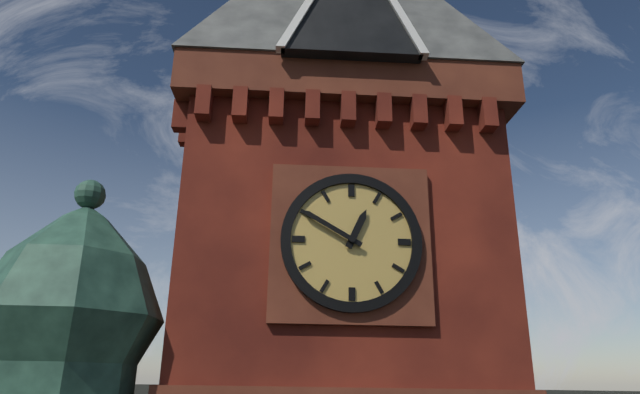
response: 12h50
